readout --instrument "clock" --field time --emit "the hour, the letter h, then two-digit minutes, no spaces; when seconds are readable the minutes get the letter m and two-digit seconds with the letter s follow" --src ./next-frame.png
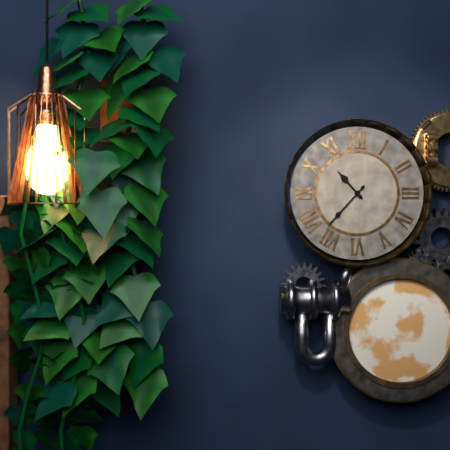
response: 10h37
